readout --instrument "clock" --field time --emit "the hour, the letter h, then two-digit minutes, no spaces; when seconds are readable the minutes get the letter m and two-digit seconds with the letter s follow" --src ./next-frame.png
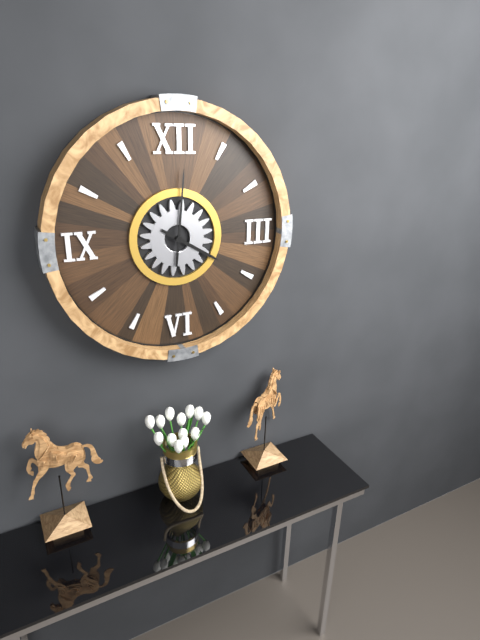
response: 4h01
